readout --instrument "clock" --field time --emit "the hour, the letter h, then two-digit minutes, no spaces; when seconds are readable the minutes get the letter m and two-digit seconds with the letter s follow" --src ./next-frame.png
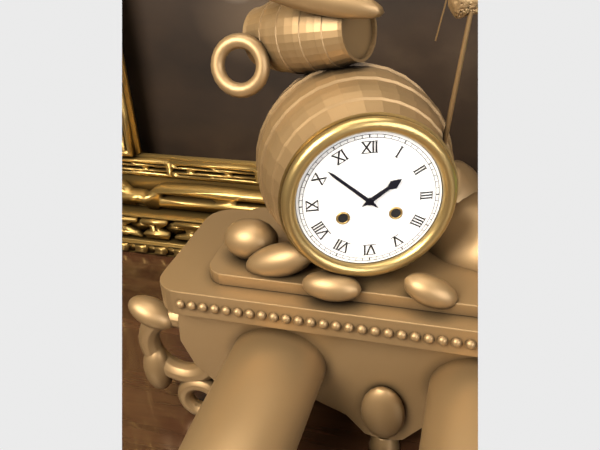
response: 1h52
